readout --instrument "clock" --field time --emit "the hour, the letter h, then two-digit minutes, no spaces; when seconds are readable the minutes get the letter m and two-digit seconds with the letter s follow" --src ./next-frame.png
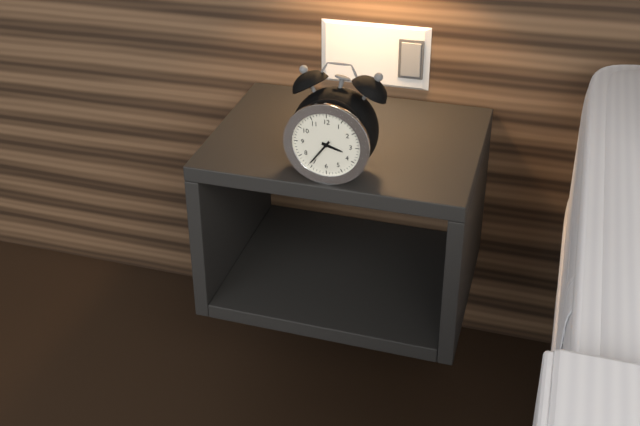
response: 3h36
